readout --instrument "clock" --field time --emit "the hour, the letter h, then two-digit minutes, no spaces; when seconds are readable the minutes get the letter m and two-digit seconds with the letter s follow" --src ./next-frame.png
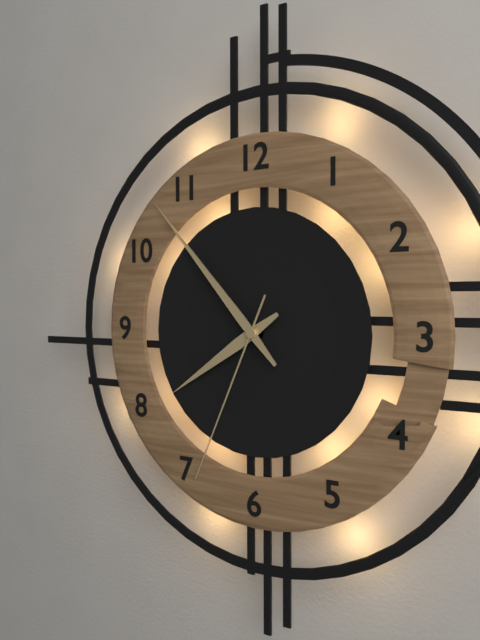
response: 7h53m34s
